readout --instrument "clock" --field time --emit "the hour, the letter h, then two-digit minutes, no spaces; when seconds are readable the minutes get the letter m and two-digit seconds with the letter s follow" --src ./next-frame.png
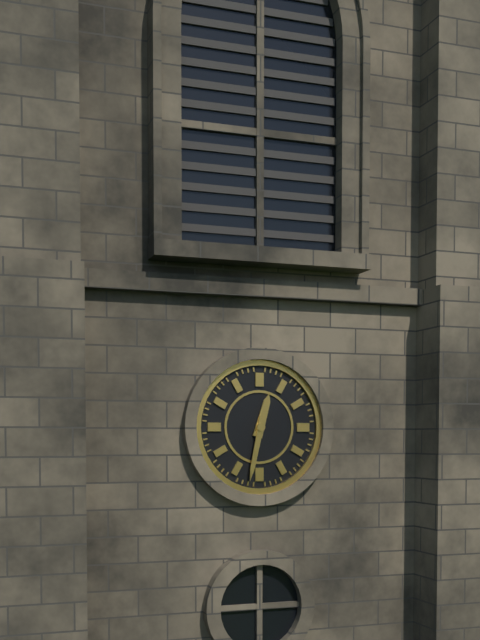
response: 12h32
